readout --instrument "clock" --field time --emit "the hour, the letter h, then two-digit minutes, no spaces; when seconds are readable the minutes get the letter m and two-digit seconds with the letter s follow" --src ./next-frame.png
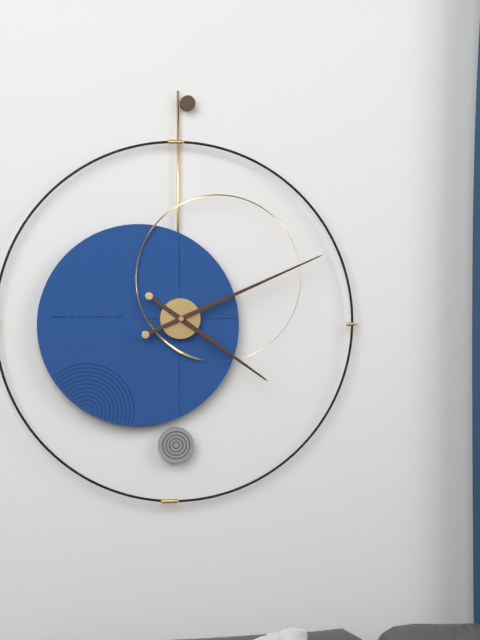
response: 4h11
